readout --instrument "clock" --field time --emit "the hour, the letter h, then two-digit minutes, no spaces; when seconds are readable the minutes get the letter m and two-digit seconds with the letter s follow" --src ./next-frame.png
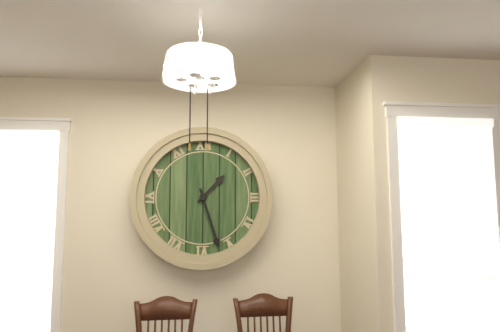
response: 1h27
